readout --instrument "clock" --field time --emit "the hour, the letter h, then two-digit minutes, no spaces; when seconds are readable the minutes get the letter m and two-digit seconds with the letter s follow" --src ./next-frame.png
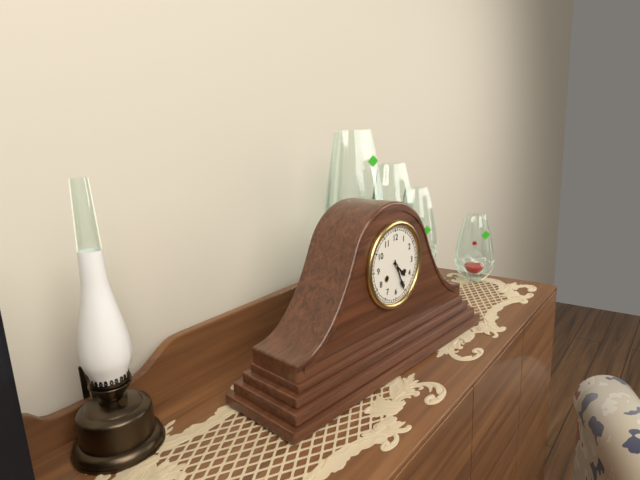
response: 4h26
